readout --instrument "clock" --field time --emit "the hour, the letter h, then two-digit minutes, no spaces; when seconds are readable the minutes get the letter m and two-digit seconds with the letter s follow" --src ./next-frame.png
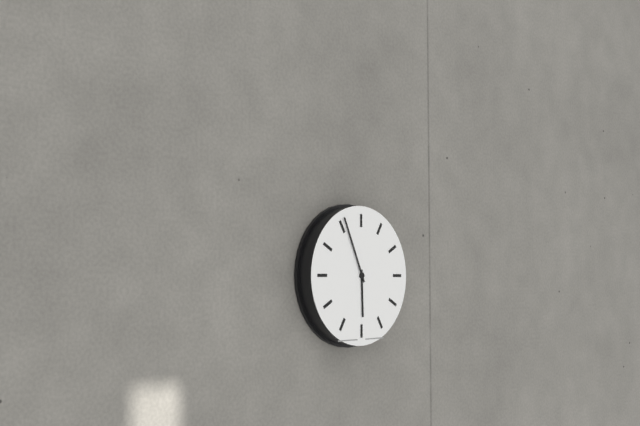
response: 5h56
